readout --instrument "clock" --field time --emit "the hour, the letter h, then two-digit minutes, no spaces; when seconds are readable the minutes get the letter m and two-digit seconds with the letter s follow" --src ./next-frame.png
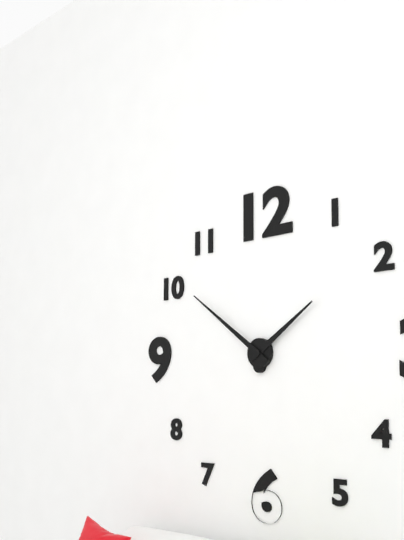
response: 1h51
